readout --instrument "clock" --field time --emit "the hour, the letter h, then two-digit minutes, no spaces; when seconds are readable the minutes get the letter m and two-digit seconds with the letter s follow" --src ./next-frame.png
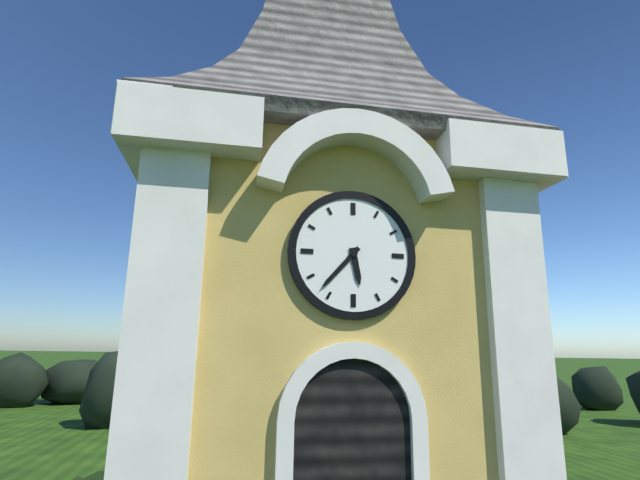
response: 5h37
